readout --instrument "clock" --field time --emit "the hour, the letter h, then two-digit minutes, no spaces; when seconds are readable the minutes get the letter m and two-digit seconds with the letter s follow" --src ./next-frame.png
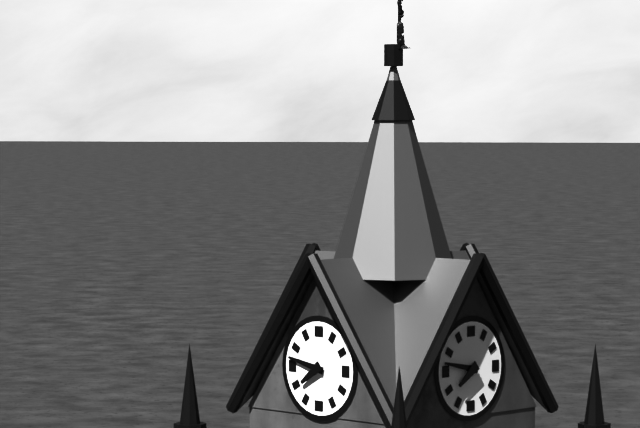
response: 7h47
